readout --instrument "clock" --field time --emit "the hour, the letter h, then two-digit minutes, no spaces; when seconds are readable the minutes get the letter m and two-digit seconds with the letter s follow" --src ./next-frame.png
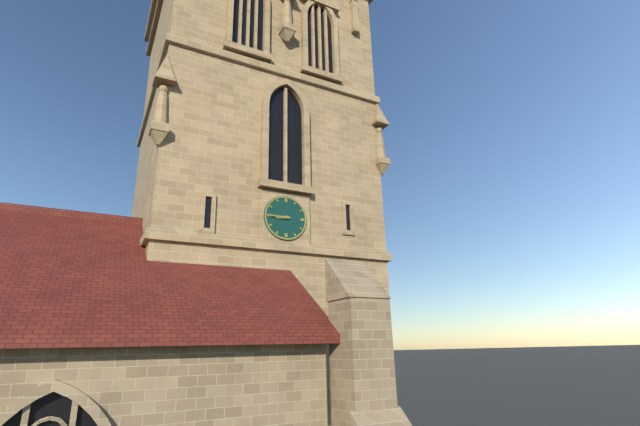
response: 8h45
